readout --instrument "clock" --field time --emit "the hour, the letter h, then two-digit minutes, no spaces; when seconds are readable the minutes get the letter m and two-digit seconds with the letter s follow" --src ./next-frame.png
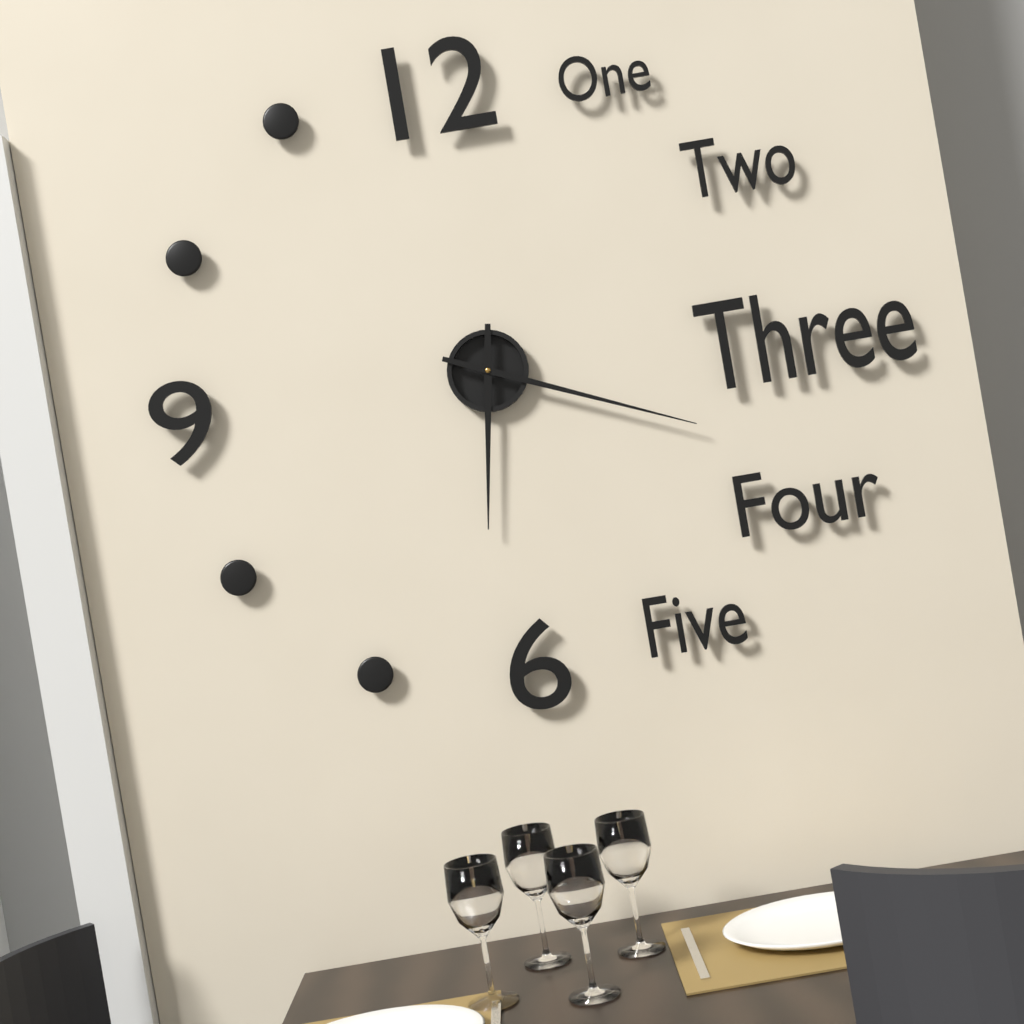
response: 6h19
